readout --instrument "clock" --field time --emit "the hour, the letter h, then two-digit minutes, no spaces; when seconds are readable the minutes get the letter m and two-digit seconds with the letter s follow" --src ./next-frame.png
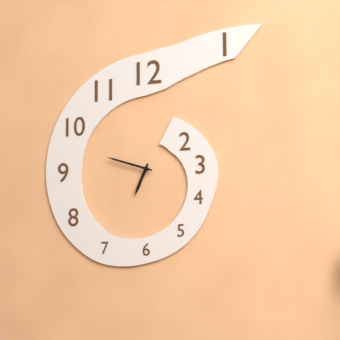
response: 6h48
